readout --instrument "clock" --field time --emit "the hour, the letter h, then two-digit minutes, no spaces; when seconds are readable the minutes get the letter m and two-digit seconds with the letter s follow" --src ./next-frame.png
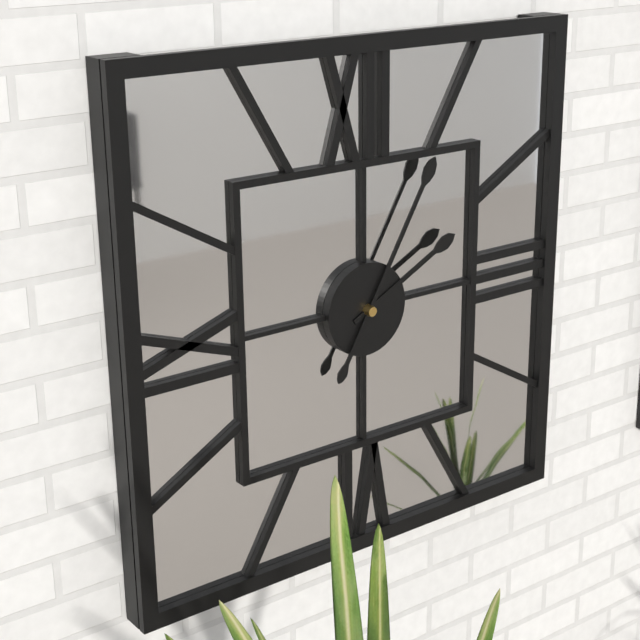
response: 2h05
